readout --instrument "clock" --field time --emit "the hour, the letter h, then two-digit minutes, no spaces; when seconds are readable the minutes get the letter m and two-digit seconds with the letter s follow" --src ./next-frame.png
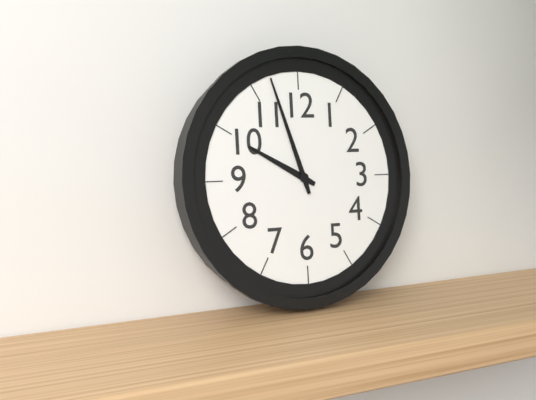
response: 9h57
